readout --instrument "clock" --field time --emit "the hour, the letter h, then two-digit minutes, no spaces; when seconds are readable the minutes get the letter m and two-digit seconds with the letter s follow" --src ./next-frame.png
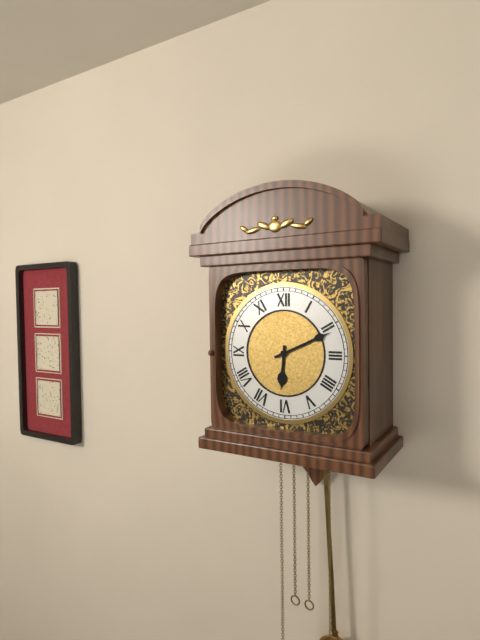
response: 6h11
